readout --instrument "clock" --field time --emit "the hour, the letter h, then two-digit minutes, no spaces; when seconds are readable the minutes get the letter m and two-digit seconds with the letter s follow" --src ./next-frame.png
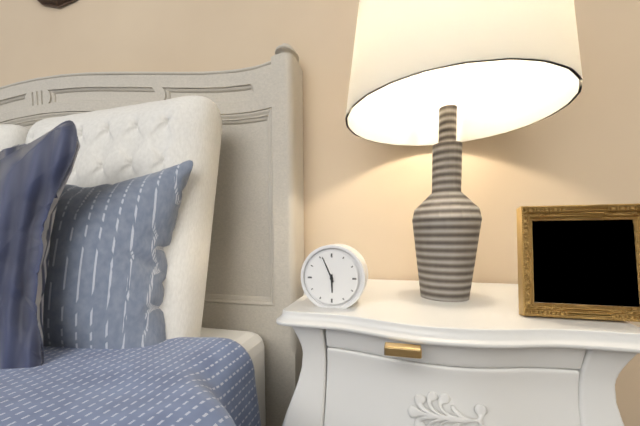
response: 5h56
